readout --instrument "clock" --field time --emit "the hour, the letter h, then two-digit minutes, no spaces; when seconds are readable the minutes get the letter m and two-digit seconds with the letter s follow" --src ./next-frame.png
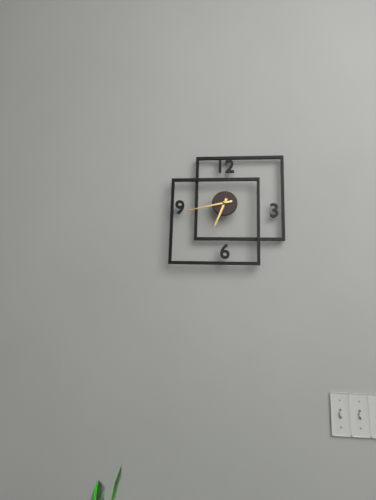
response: 6h43
